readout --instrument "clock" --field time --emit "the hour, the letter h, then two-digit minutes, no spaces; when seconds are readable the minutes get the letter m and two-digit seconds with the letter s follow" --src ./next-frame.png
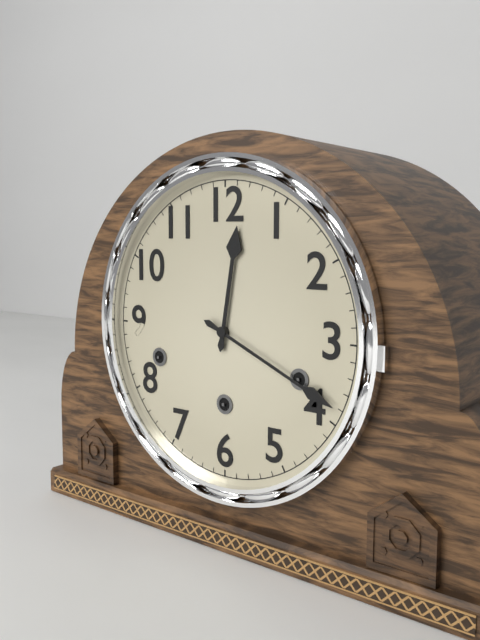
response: 12h19
